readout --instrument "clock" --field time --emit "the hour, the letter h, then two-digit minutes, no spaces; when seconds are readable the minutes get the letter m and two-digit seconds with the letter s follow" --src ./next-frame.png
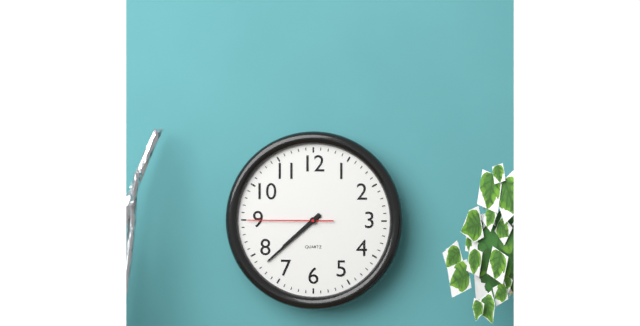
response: 7h38m45s
